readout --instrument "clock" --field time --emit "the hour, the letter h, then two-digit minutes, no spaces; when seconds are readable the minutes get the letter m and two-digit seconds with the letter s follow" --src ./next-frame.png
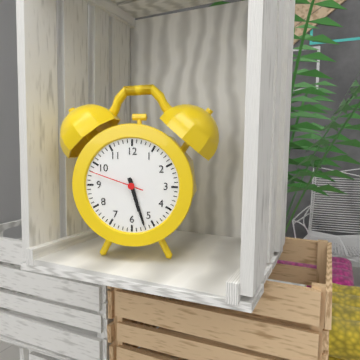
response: 5h27m48s
